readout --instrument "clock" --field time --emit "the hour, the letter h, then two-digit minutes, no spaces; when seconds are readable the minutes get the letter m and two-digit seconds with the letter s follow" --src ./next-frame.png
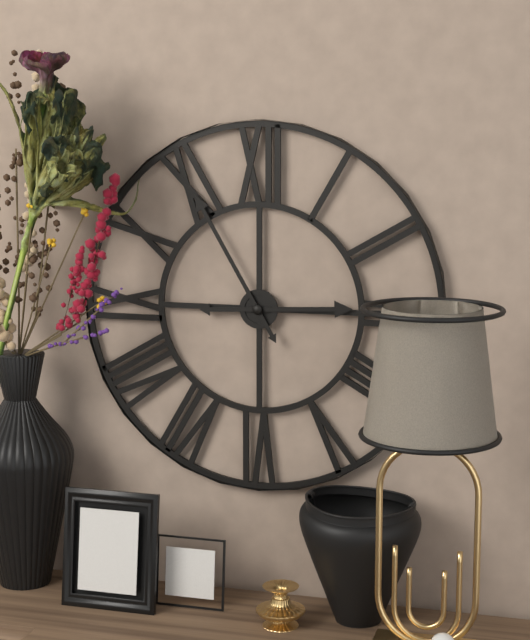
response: 2h55
